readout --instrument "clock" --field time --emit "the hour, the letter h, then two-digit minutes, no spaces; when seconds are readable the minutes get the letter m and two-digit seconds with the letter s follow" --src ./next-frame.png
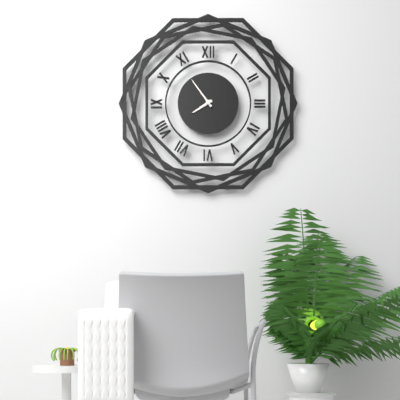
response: 7h54
